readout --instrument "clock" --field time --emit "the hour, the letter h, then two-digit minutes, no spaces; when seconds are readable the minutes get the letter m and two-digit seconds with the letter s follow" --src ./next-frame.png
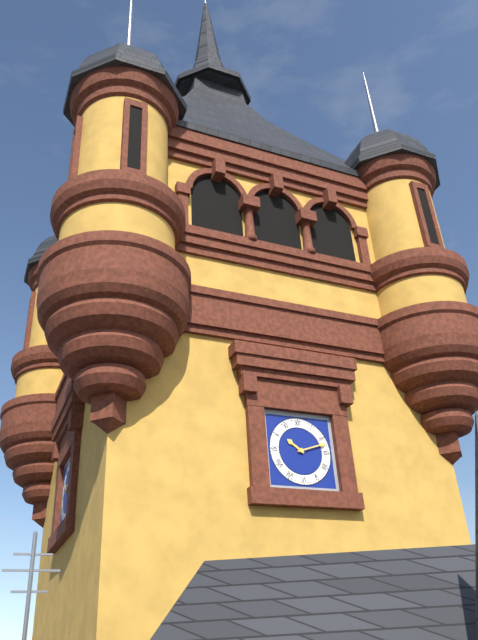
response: 10h12
